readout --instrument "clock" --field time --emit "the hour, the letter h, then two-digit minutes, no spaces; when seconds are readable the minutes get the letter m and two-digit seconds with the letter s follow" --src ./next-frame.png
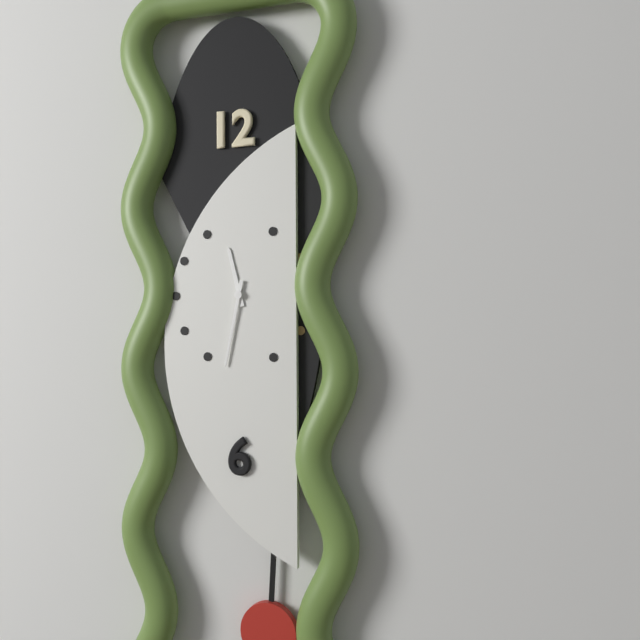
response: 11h32
